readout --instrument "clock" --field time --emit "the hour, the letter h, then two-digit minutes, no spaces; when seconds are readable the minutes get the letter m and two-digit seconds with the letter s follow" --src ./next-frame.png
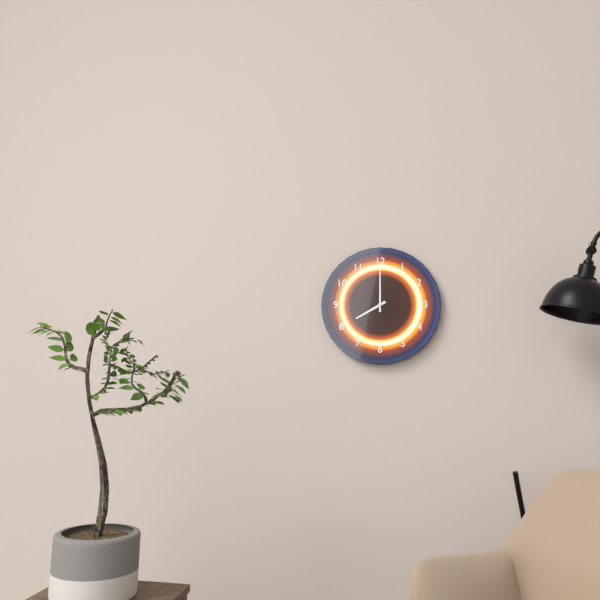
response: 8h00
